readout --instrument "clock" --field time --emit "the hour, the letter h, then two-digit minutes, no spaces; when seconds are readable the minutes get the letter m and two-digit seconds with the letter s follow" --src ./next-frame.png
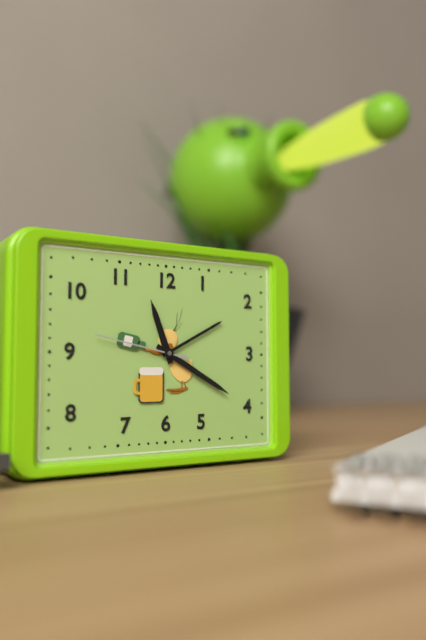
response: 11h20m47s
